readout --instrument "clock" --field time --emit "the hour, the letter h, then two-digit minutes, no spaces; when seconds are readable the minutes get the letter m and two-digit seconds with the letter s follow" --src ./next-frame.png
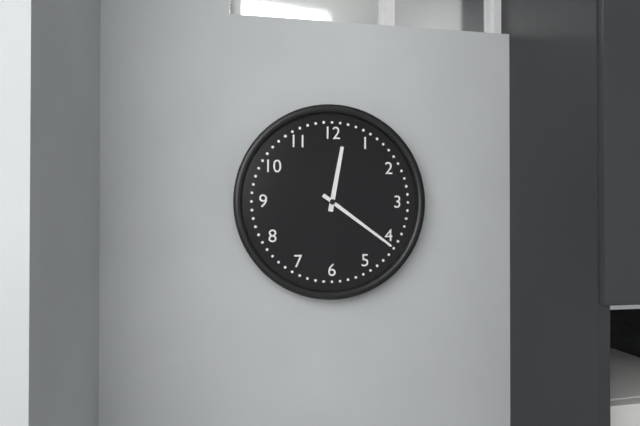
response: 12h21
